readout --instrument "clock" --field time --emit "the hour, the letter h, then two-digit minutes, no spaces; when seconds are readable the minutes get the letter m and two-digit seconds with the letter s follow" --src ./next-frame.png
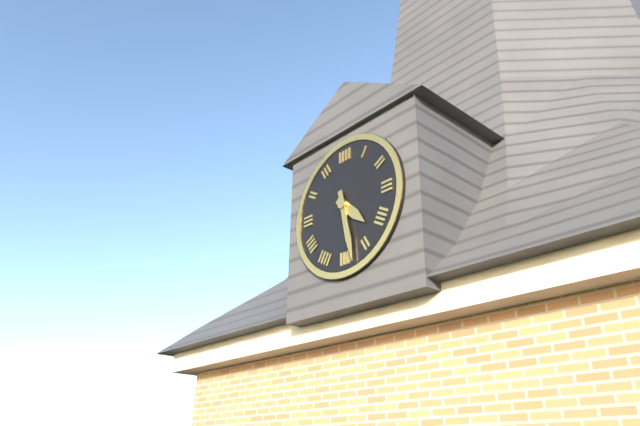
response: 4h28
